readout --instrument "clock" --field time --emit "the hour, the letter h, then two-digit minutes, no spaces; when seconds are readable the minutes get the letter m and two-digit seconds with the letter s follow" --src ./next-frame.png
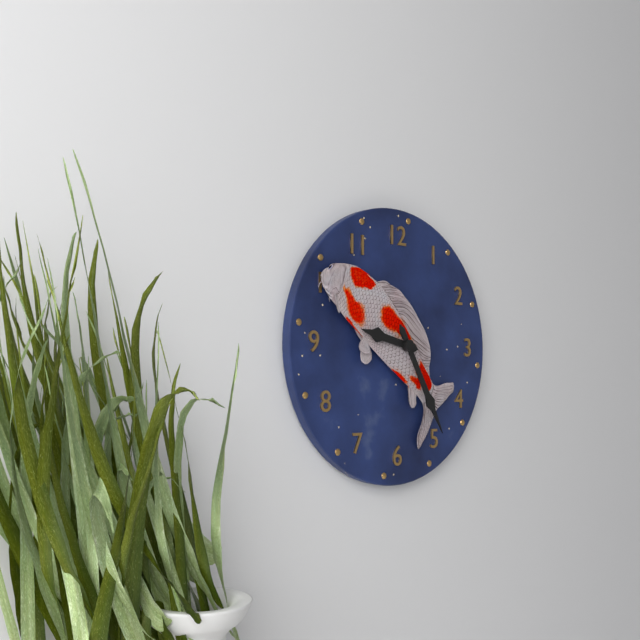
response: 9h25
